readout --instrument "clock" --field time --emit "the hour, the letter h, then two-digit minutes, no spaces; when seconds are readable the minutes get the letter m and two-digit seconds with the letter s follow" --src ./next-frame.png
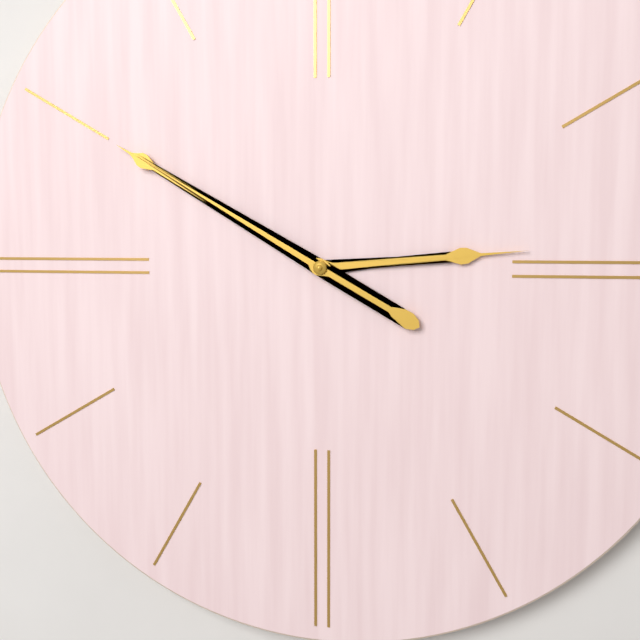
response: 2h50
